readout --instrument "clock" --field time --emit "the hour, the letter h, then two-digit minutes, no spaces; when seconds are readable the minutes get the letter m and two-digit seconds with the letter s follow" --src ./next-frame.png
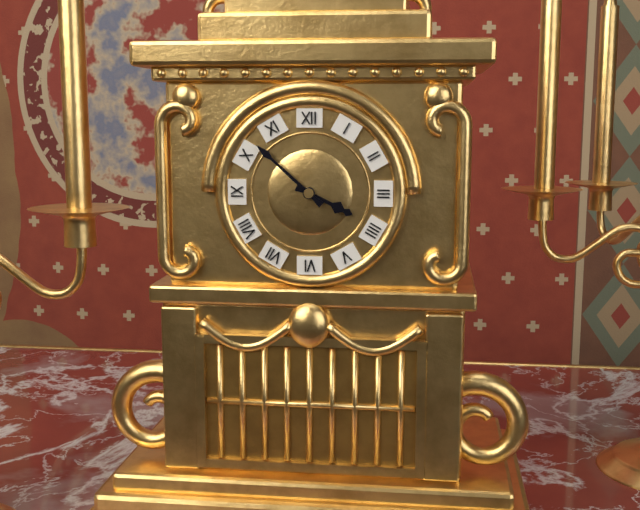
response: 3h52
